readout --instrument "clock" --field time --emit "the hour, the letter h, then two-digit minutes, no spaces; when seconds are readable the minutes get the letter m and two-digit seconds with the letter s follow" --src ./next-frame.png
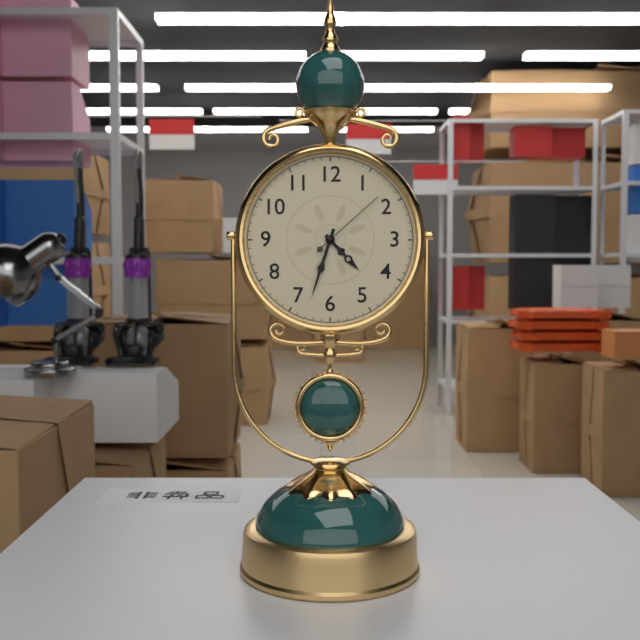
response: 4h33m08s
